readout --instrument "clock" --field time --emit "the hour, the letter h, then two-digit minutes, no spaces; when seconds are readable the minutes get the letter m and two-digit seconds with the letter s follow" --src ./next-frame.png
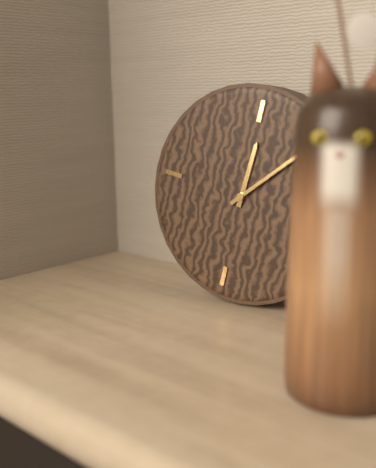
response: 12h07
